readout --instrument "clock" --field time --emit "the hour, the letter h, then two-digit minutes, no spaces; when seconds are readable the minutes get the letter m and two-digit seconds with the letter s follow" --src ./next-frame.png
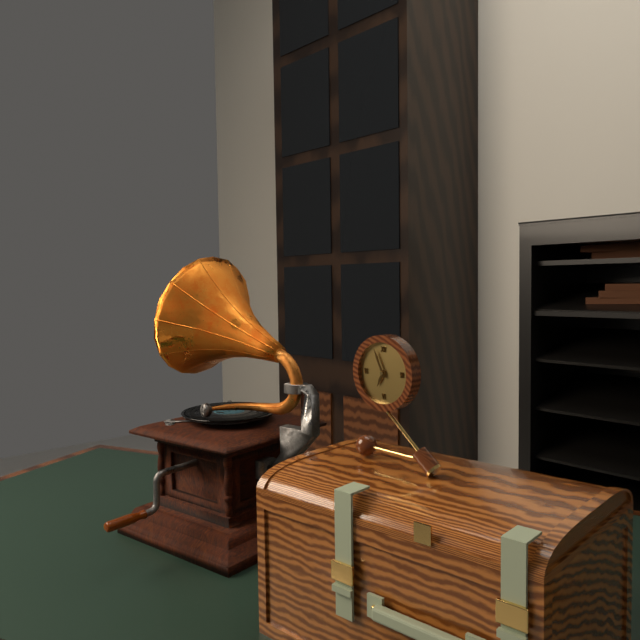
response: 6h56
